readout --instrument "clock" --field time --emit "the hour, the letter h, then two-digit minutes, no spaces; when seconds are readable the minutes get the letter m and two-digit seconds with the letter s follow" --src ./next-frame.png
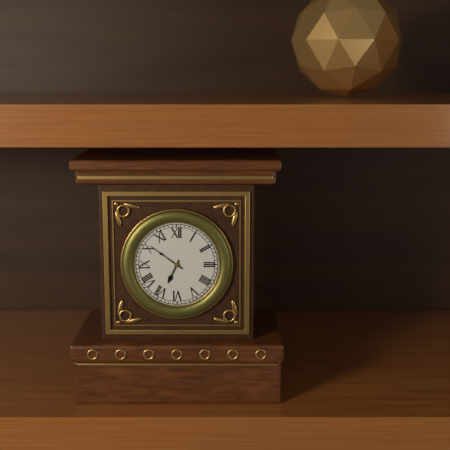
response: 6h51
